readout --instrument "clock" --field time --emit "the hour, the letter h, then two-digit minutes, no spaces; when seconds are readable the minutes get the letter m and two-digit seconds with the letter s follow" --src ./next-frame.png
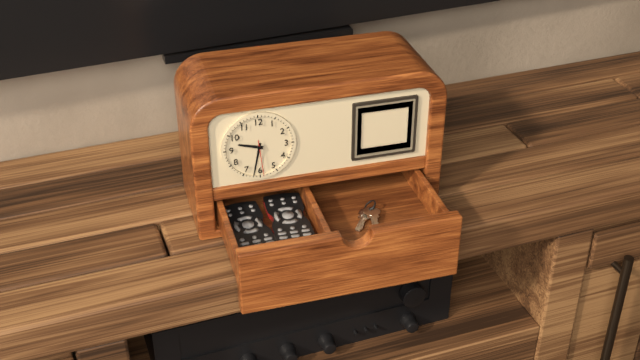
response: 9h32
